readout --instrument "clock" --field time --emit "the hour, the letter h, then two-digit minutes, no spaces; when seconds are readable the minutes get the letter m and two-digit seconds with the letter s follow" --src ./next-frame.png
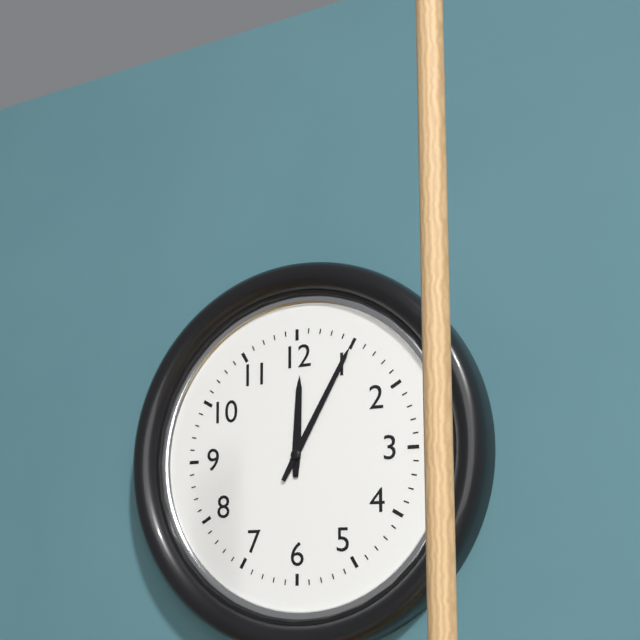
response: 12h05
